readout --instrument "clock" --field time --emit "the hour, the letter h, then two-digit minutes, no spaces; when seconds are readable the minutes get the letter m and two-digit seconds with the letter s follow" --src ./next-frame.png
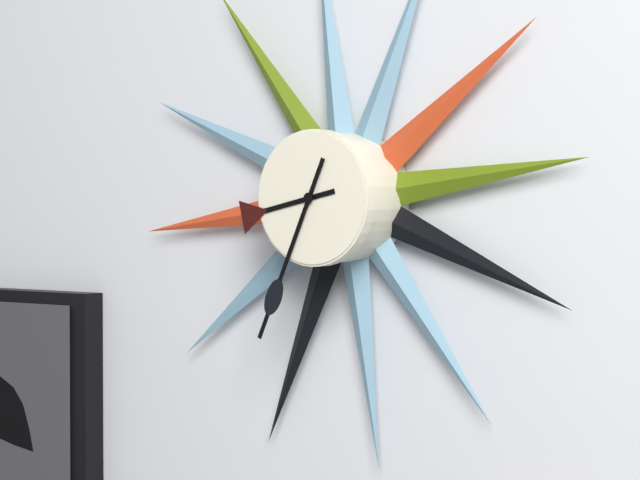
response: 8h34
